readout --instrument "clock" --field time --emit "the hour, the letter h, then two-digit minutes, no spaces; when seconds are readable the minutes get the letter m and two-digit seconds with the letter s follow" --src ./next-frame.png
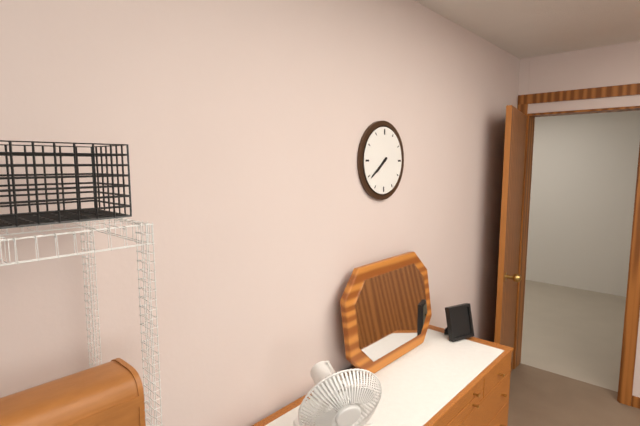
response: 7h39
